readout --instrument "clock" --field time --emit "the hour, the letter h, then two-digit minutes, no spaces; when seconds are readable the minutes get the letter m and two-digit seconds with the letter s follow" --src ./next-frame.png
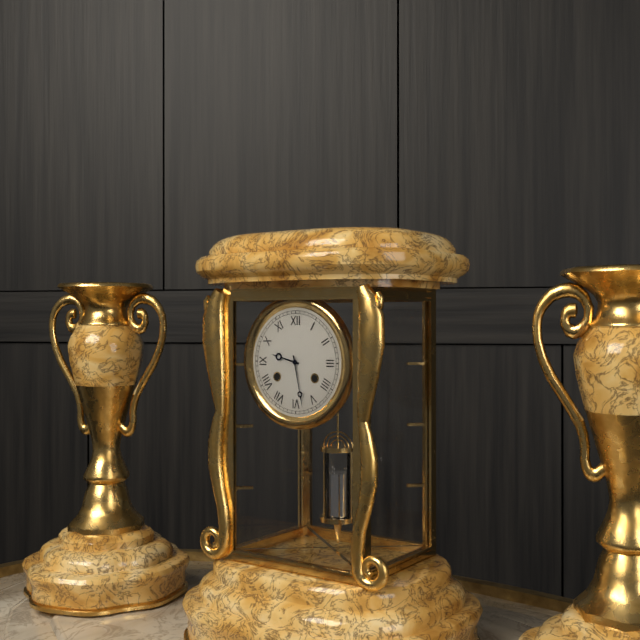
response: 9h28
